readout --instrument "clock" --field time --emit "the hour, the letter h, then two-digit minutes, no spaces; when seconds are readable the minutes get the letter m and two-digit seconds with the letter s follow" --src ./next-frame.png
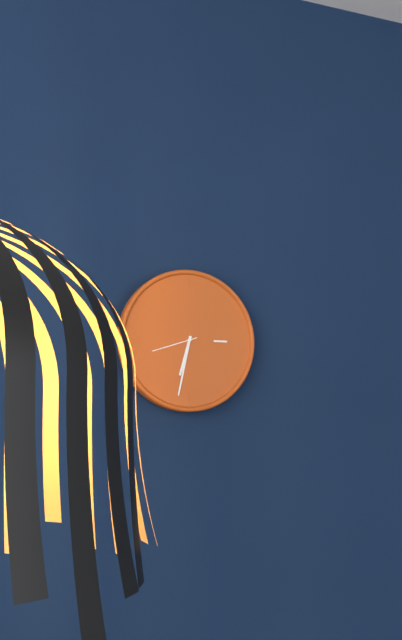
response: 6h32
